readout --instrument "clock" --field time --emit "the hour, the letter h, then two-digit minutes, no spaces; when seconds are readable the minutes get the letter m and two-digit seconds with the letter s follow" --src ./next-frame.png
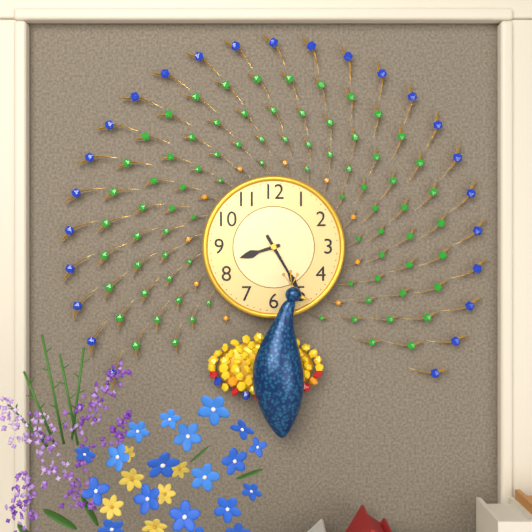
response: 8h25m25s
